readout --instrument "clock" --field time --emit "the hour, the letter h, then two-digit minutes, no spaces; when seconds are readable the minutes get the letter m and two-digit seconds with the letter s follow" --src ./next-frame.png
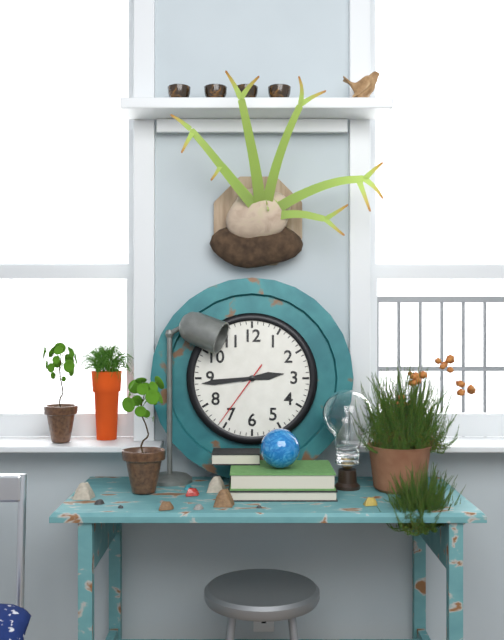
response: 2h44m36s
